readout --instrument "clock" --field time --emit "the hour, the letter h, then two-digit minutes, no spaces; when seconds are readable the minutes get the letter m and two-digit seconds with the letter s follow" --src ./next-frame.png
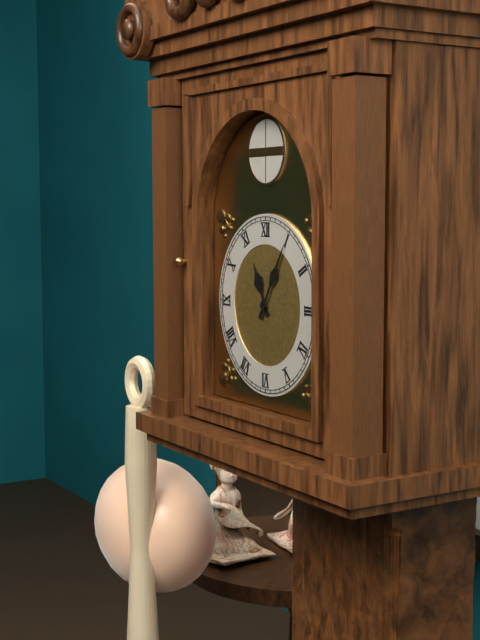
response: 11h05
